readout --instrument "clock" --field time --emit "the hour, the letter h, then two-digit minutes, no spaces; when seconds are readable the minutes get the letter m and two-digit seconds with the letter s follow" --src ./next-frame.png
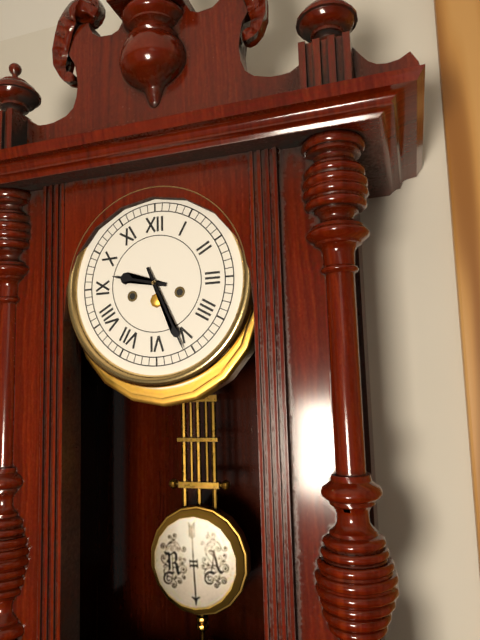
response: 9h26
